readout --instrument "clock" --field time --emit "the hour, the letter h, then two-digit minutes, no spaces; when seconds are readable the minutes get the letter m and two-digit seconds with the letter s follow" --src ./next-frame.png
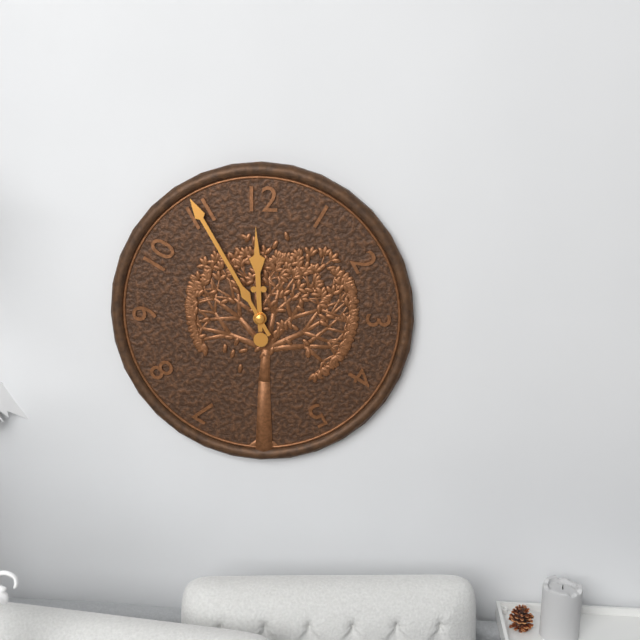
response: 11h55
